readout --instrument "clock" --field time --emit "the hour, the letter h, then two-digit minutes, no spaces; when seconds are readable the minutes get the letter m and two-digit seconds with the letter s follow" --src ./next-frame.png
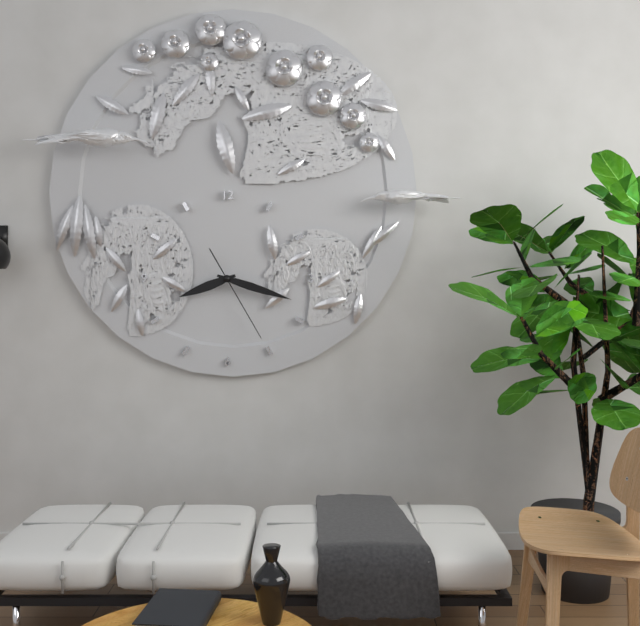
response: 8h18m25s
